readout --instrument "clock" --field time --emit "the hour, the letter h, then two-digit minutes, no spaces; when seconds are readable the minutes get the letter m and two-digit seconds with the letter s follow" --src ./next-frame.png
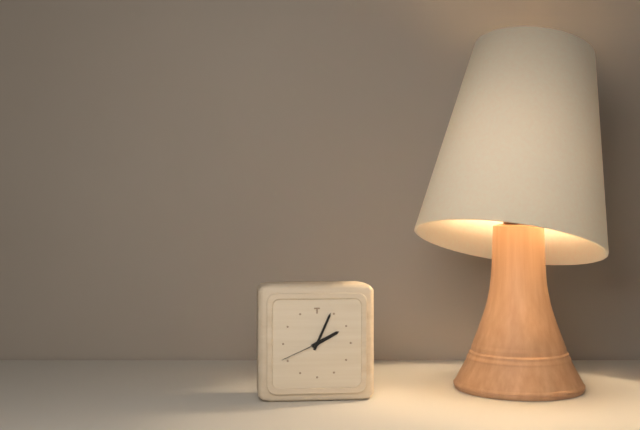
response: 2h04
